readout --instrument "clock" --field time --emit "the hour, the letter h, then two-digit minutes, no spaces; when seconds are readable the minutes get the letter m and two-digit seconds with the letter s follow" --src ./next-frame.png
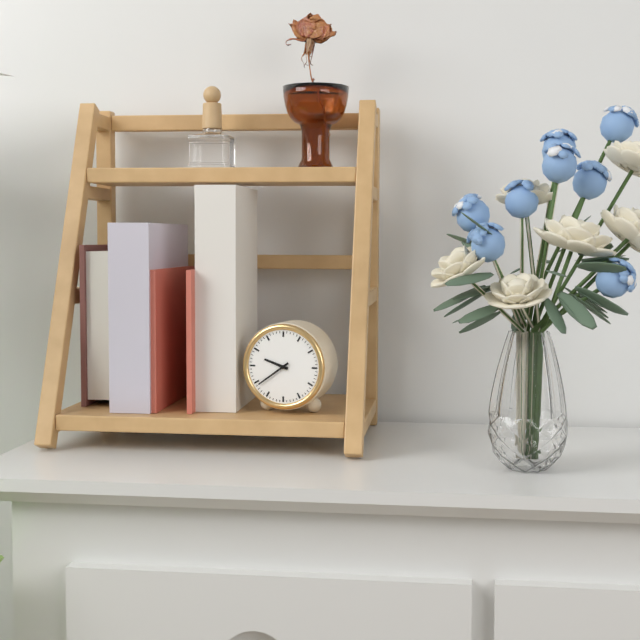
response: 9h39
